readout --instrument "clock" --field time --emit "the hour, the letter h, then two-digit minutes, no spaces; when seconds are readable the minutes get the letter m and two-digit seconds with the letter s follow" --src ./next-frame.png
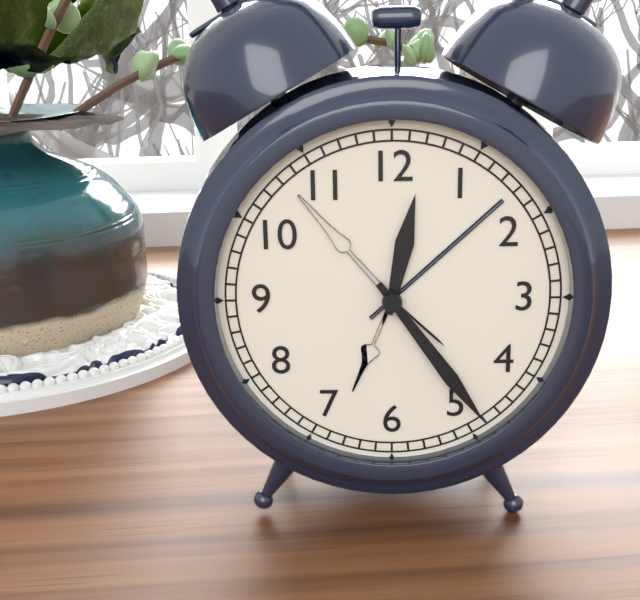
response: 12h24
